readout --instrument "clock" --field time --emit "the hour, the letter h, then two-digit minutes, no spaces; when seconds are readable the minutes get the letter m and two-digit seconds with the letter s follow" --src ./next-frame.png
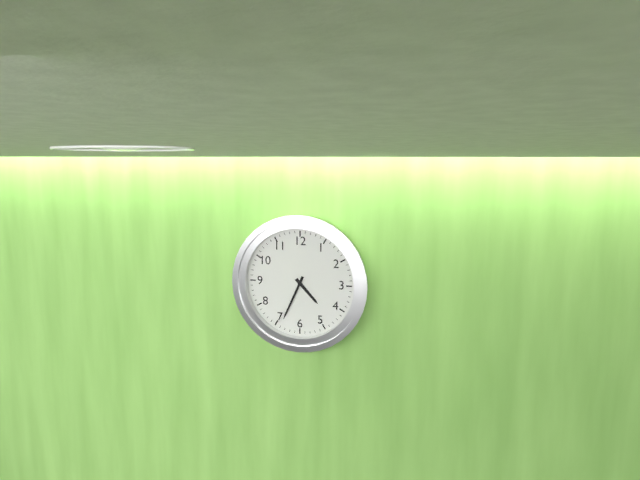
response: 4h34
